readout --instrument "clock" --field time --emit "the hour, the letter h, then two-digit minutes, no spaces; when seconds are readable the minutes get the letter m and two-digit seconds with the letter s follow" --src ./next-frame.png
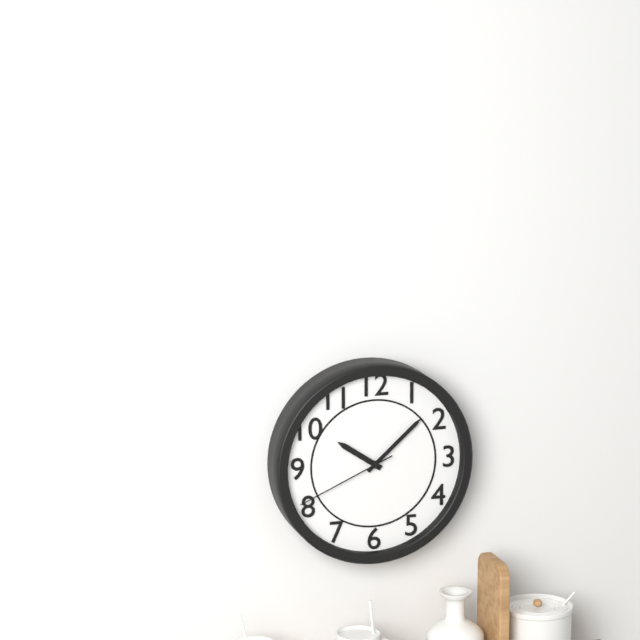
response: 10h08m41s
